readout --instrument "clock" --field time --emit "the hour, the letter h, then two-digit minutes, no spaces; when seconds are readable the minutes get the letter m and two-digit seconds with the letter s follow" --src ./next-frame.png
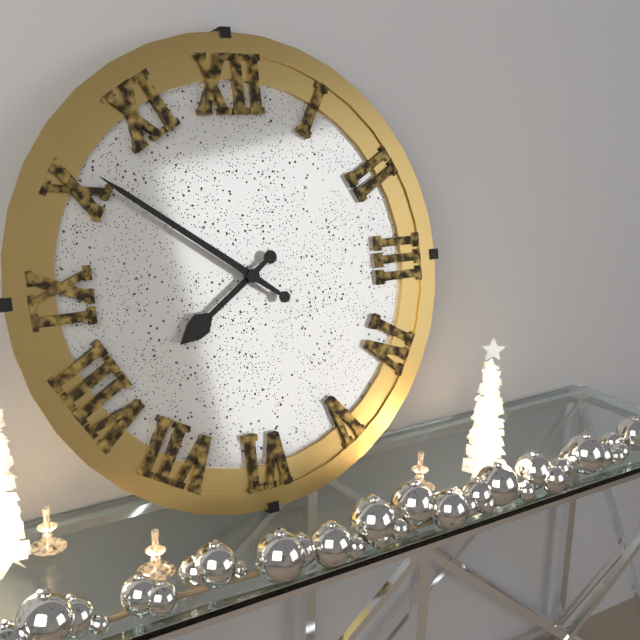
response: 7h51
